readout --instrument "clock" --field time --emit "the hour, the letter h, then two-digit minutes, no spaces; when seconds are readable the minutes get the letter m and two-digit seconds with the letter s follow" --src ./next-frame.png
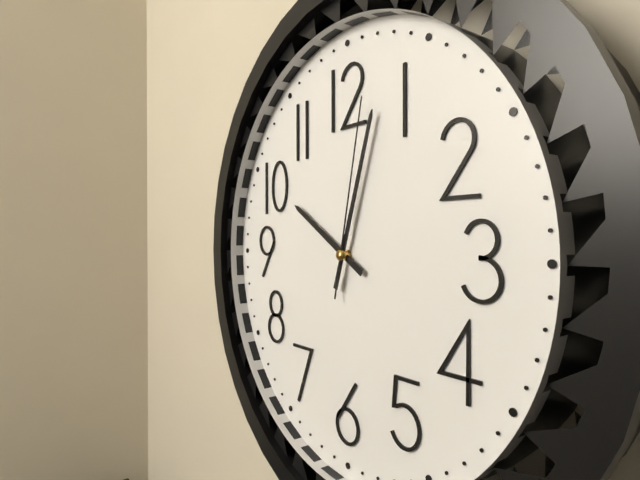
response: 10h03m02s
